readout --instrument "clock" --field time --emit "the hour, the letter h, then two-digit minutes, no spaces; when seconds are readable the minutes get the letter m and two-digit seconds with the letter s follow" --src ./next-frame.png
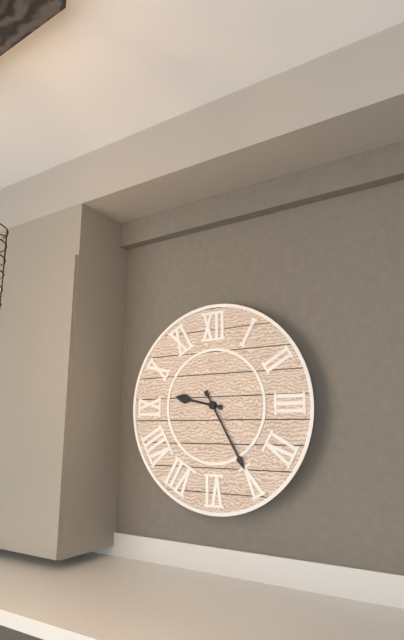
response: 9h25
